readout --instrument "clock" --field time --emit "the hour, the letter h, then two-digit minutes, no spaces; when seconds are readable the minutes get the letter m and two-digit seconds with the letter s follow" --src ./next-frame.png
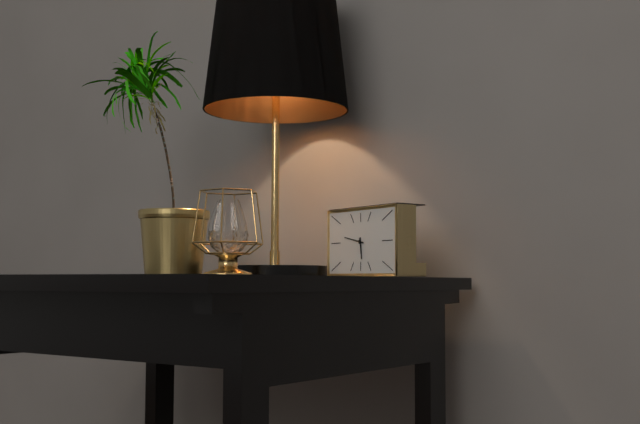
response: 5h47
